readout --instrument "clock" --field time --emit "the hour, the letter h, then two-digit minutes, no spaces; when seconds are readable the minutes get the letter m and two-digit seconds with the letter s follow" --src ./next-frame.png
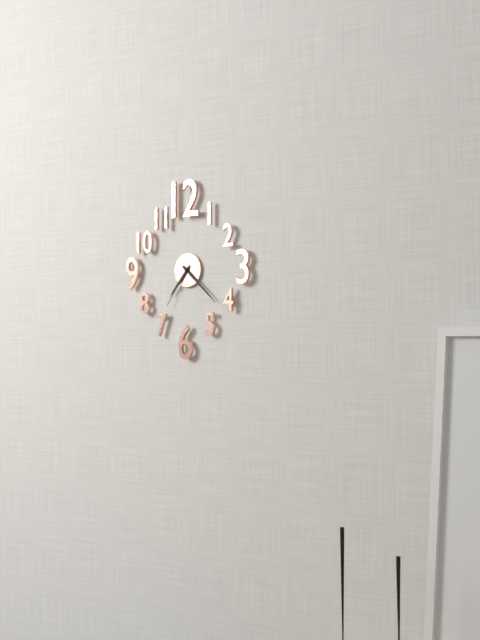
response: 7h22
